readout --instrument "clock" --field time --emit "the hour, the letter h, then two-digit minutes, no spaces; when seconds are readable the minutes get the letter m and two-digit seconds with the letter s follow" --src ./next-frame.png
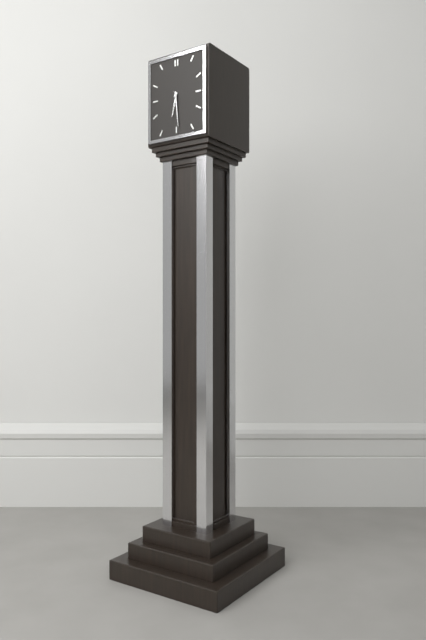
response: 6h29
